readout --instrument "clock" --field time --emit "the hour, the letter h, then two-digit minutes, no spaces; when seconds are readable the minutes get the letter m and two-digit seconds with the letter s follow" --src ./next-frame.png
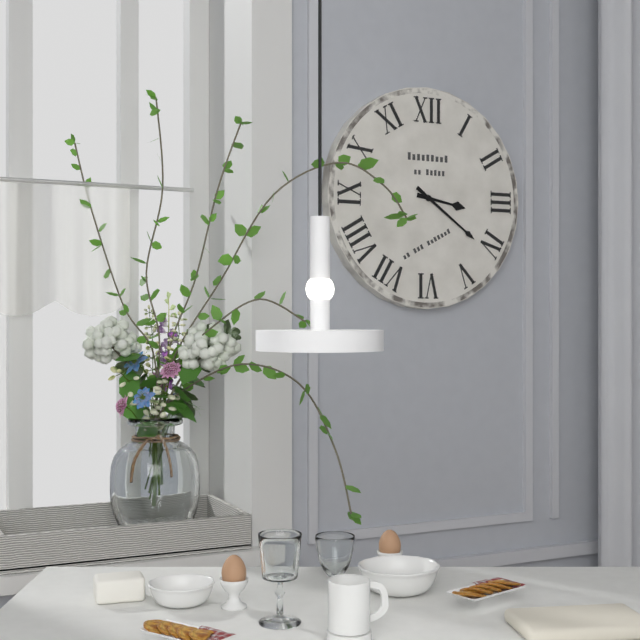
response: 3h21
